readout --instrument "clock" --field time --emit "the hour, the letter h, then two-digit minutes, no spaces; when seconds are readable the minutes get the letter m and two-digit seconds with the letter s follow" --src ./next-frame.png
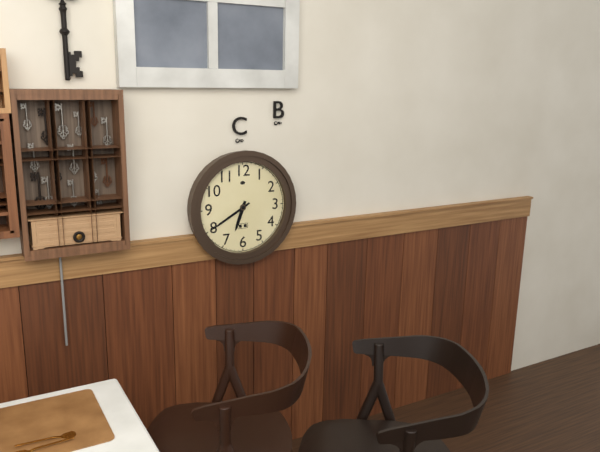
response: 6h40
